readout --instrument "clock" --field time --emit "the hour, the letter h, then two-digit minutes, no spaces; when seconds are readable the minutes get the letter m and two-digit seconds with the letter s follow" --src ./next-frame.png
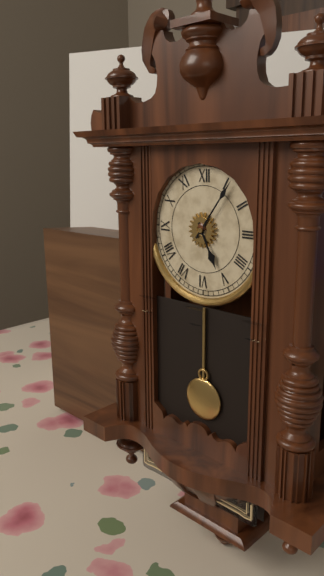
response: 5h06
